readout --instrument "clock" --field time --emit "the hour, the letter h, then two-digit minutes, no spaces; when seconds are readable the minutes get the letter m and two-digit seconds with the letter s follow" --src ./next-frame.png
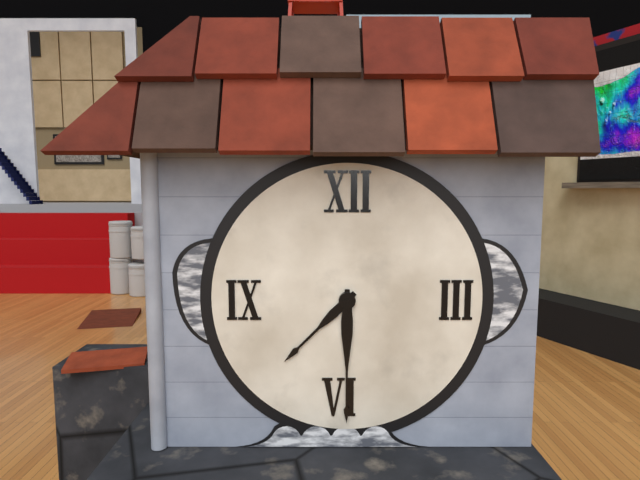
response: 7h30
